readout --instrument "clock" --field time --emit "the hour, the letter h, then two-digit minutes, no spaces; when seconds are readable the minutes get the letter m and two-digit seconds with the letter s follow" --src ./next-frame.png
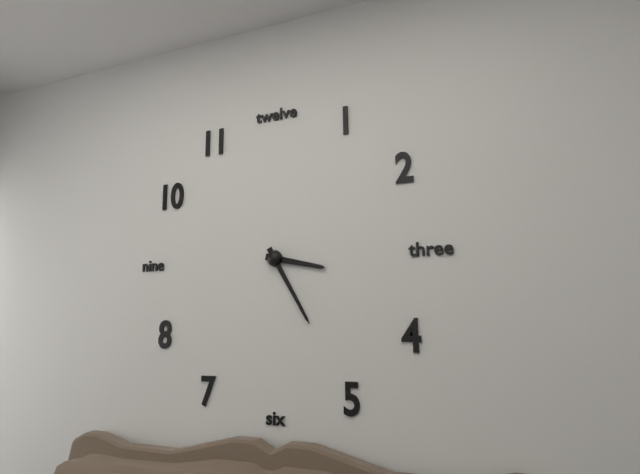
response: 3h25
